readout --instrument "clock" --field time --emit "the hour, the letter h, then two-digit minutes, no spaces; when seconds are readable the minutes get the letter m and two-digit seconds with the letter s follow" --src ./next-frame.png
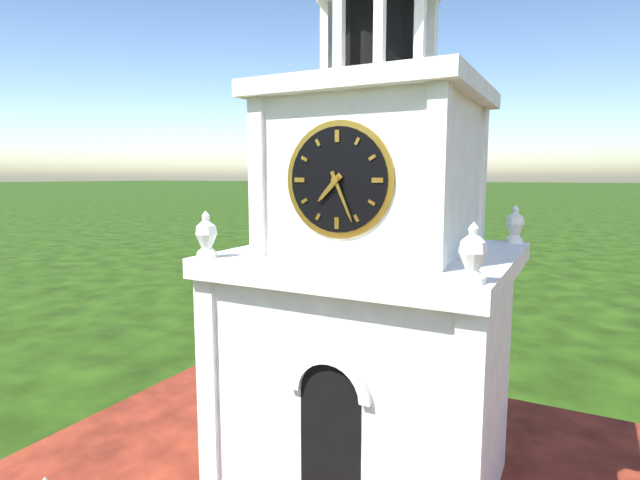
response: 7h26
